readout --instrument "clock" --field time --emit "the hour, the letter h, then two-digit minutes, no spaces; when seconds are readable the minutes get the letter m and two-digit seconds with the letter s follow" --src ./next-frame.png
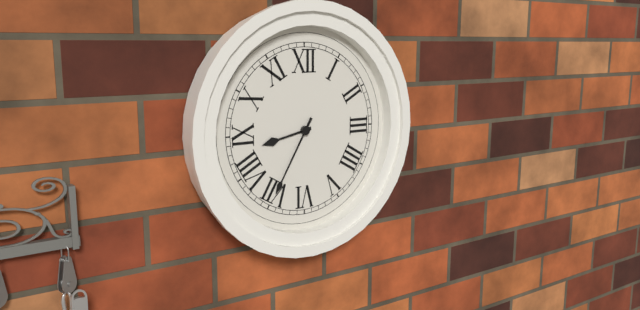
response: 8h35
